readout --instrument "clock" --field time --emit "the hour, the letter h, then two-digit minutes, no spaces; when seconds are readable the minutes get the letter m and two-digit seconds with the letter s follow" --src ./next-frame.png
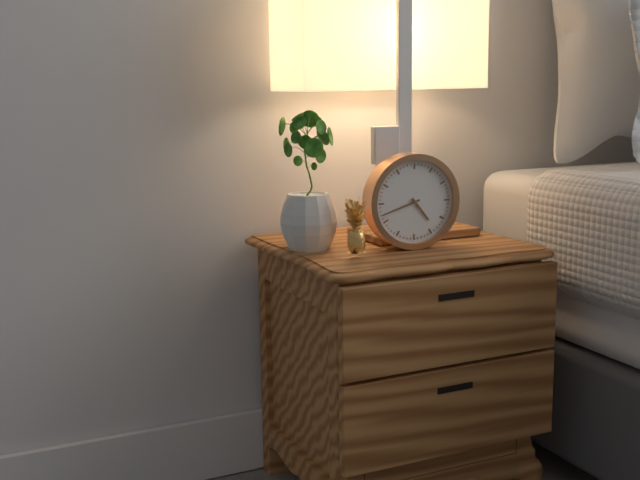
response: 4h42
